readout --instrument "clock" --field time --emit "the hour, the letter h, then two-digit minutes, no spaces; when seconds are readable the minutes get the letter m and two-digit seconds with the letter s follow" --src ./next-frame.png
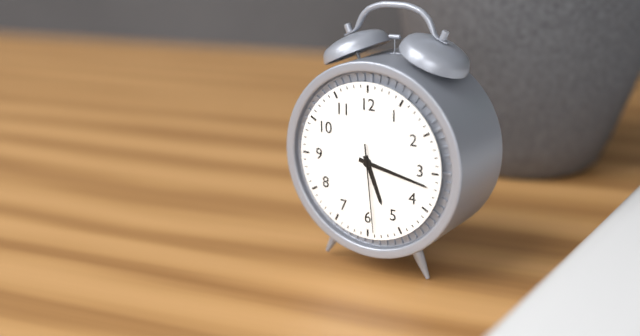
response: 5h17m29s
